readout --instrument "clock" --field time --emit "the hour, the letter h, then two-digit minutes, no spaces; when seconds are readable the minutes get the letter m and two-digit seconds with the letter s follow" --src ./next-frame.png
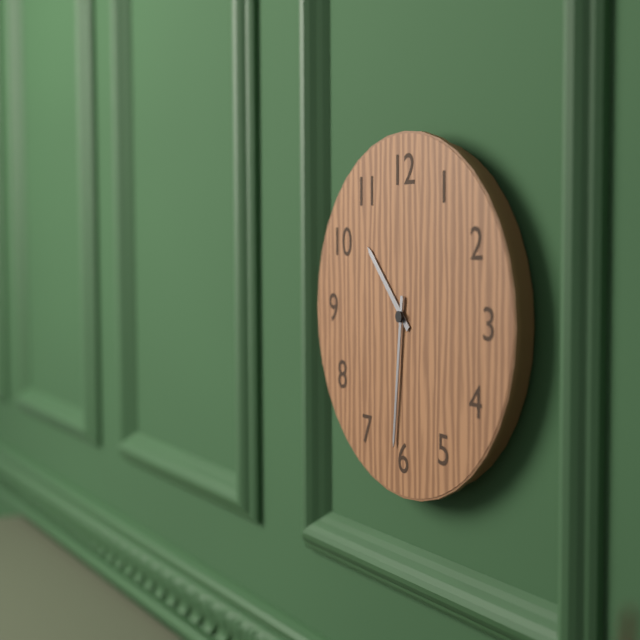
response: 10h31
